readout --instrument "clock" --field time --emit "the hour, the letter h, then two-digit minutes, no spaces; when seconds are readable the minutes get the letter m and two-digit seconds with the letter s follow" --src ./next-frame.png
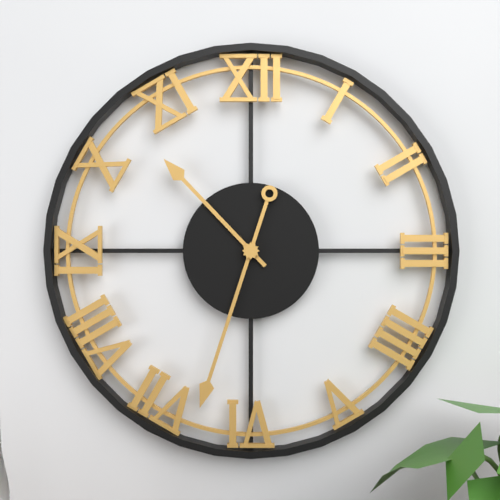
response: 10h33
